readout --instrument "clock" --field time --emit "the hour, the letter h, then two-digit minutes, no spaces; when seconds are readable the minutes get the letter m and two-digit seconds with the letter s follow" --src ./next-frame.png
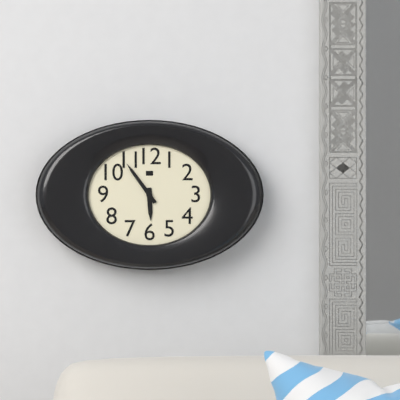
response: 5h54
